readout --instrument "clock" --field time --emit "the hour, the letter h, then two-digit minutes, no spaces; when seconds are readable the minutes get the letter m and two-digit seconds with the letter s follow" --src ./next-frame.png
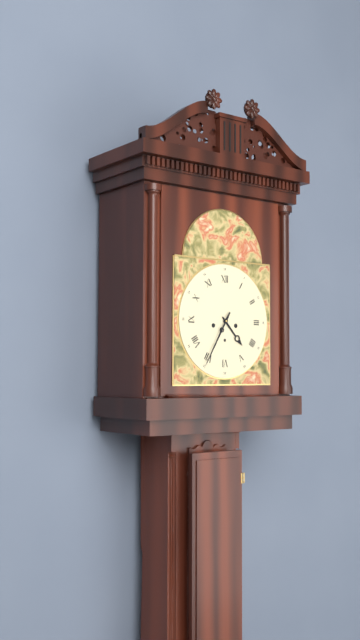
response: 4h35
